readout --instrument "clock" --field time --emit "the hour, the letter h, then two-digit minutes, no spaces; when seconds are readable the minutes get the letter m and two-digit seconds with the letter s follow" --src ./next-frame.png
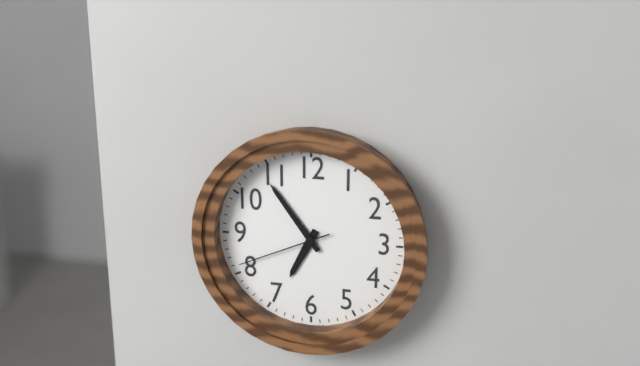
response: 6h54m41s
